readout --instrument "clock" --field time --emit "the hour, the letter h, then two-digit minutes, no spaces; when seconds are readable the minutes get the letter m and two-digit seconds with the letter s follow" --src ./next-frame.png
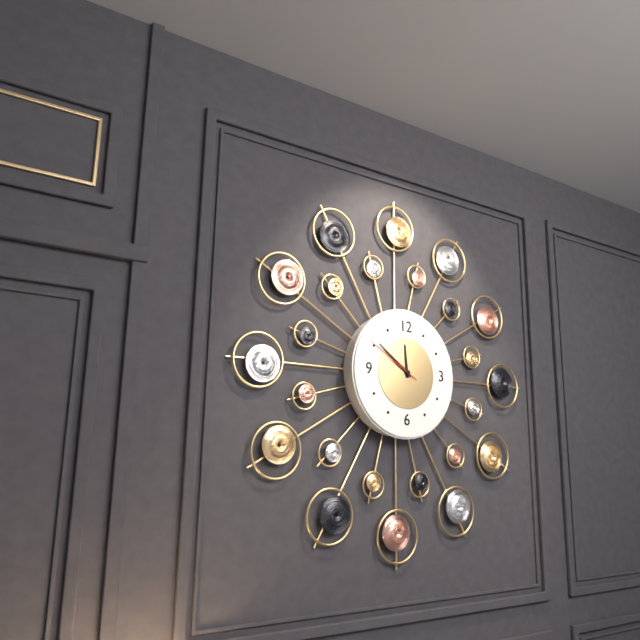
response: 11h51m50s
